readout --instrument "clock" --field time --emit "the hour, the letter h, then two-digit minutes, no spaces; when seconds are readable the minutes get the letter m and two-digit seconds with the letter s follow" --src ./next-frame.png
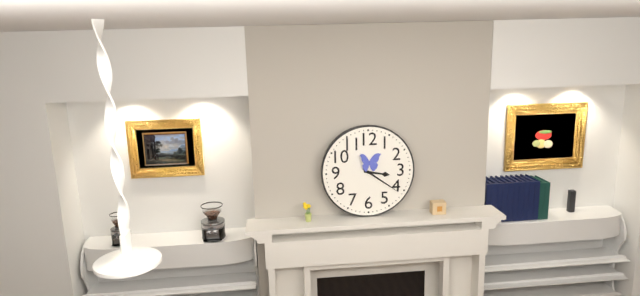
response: 3h21
